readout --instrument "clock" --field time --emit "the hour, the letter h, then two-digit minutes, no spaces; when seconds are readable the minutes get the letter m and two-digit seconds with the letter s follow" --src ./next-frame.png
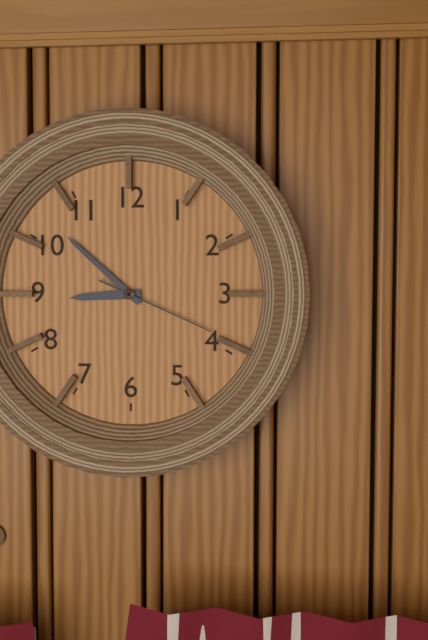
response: 8h52m19s
